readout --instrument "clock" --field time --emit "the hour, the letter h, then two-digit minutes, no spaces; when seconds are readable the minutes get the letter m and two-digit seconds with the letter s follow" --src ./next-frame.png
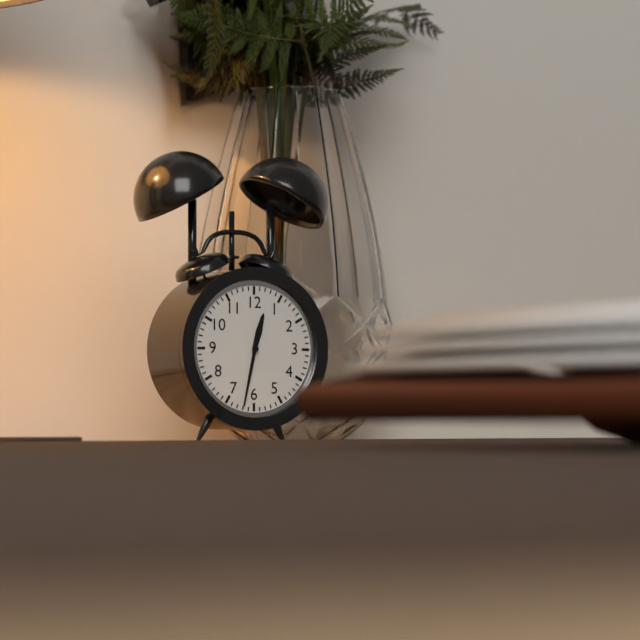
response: 12h32
